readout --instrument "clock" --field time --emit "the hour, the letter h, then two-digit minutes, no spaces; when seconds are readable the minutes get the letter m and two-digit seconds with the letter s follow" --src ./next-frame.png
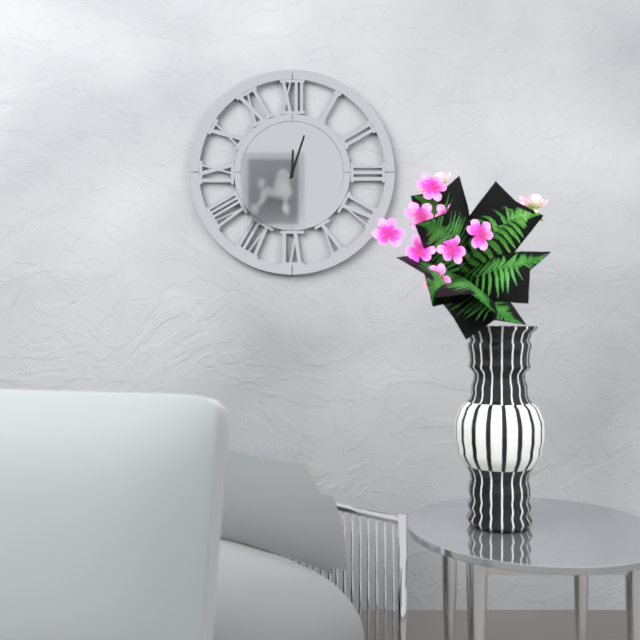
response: 12h03
